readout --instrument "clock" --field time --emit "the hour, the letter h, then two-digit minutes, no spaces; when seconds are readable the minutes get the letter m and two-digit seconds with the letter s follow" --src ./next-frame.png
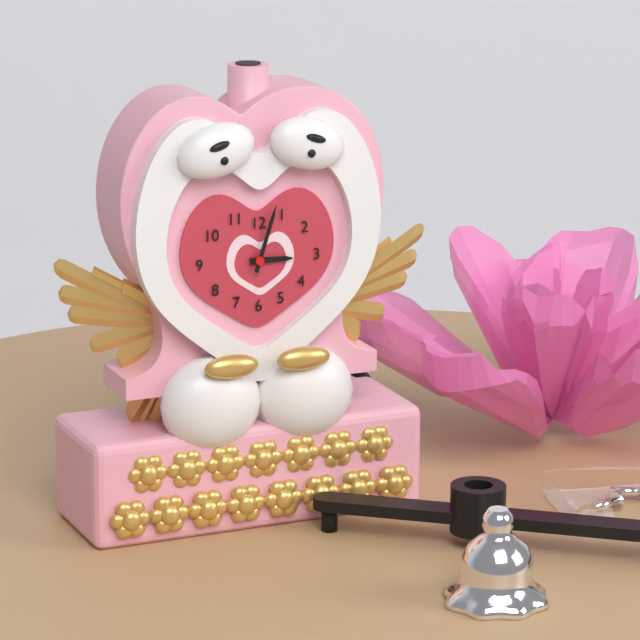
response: 3h03
